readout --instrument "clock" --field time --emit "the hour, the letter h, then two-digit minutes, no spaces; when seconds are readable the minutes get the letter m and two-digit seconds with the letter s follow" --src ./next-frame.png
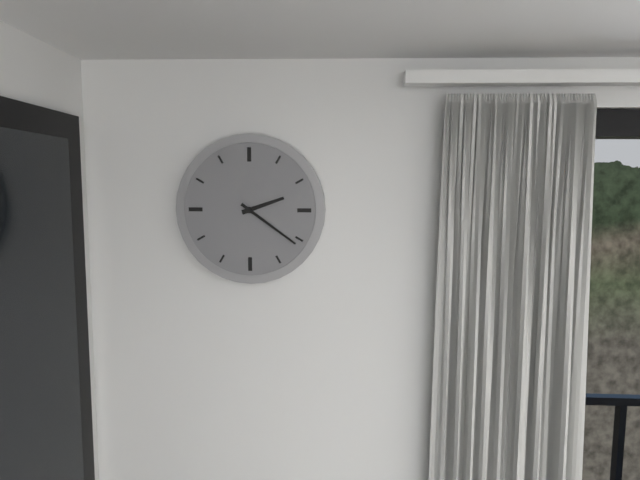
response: 2h21
